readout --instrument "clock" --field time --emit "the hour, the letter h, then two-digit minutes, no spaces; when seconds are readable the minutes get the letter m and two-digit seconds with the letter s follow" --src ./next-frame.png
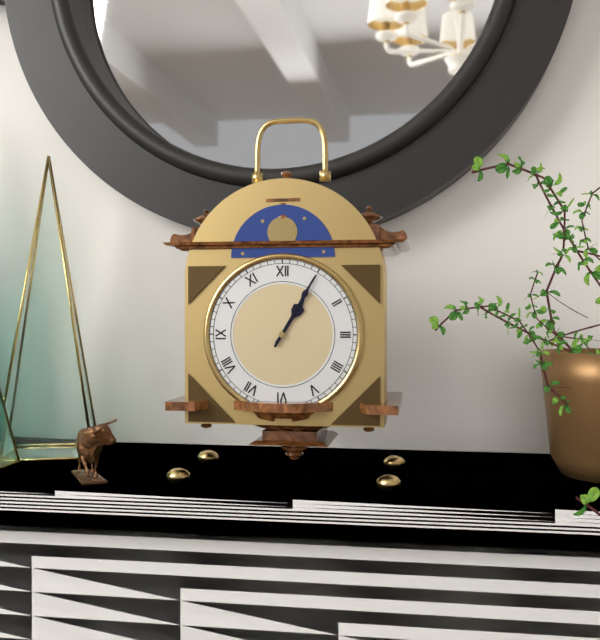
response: 1h05
